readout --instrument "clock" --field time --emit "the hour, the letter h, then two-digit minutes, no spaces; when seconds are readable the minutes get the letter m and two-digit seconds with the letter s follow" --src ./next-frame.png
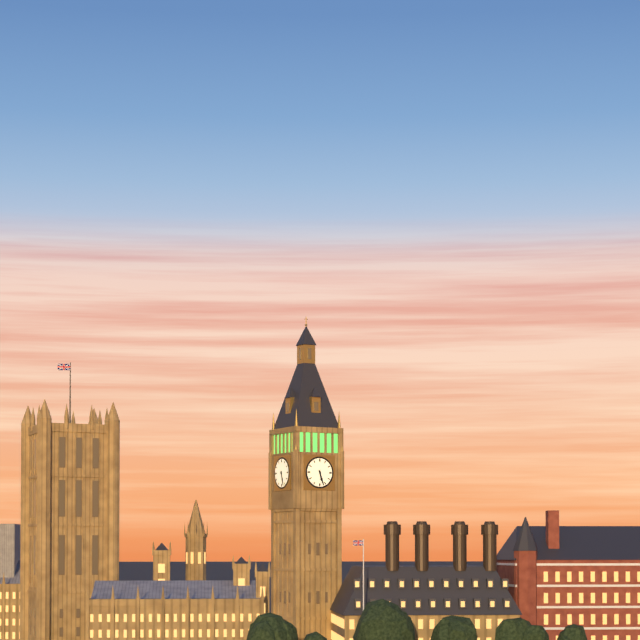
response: 5h27
